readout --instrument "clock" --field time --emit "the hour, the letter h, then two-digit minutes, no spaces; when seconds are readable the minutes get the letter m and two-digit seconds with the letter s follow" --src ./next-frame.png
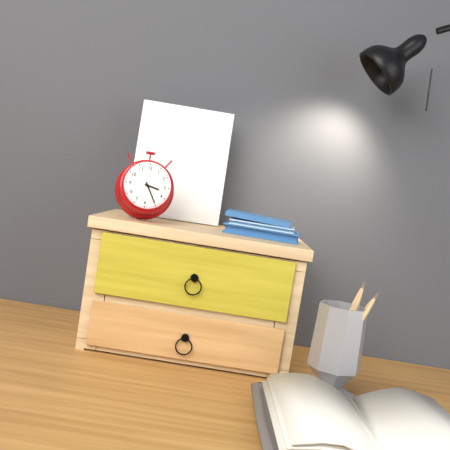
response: 3h25
